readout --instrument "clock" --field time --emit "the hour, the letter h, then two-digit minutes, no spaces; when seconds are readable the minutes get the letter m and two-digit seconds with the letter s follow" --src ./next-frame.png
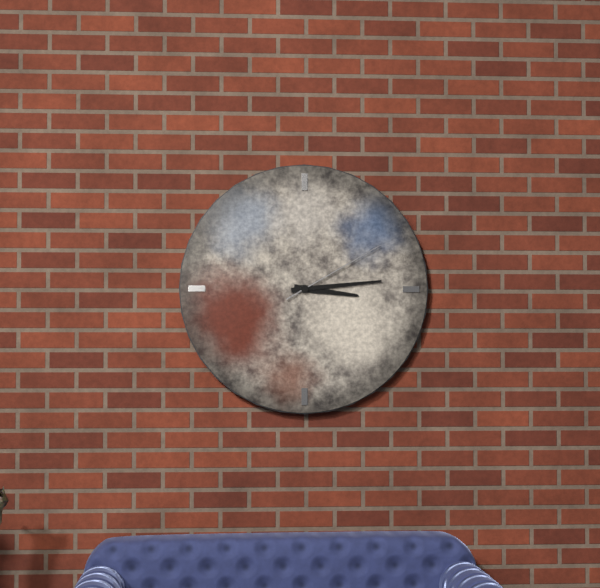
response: 3h14m10s
